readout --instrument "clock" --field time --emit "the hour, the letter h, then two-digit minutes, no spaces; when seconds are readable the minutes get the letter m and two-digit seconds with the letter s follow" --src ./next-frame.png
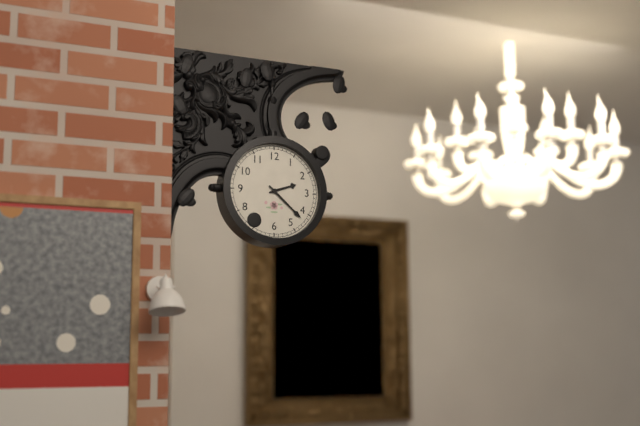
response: 2h22
